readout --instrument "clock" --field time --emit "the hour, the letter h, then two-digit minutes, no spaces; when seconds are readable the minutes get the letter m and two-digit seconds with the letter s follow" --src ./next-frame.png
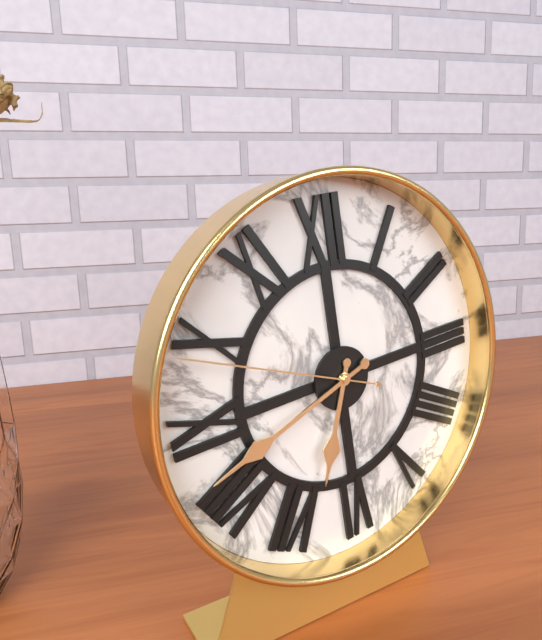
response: 6h42m49s
